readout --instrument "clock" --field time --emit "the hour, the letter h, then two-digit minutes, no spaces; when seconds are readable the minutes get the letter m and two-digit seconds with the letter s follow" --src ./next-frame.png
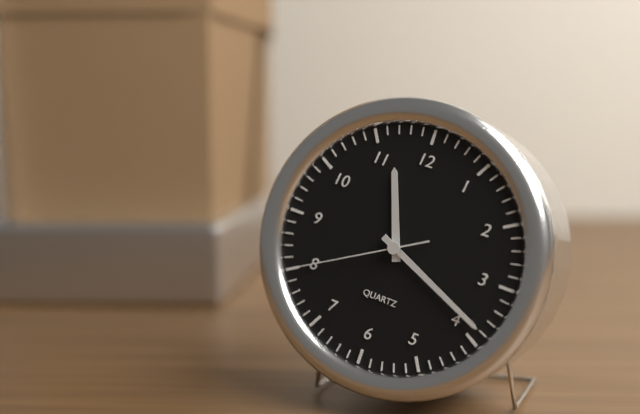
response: 11h19m40s
